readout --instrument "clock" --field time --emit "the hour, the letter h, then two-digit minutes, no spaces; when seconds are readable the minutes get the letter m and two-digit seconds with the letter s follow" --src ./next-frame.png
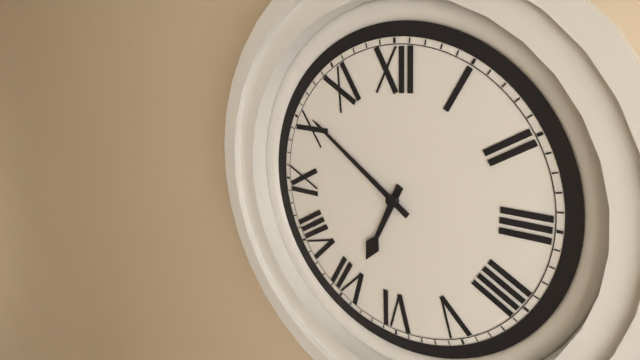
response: 6h51
